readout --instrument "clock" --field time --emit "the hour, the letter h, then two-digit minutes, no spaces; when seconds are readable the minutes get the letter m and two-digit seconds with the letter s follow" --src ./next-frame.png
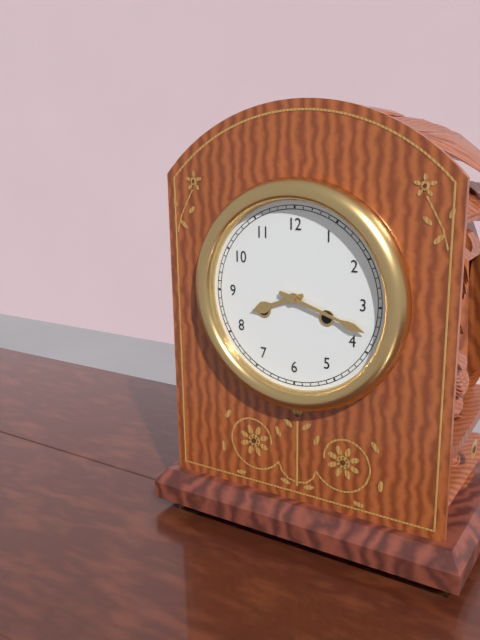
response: 8h18
